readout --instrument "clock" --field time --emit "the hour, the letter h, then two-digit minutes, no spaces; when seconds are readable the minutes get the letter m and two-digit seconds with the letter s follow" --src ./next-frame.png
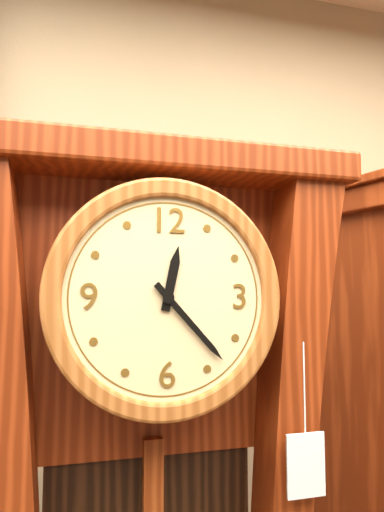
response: 12h23
